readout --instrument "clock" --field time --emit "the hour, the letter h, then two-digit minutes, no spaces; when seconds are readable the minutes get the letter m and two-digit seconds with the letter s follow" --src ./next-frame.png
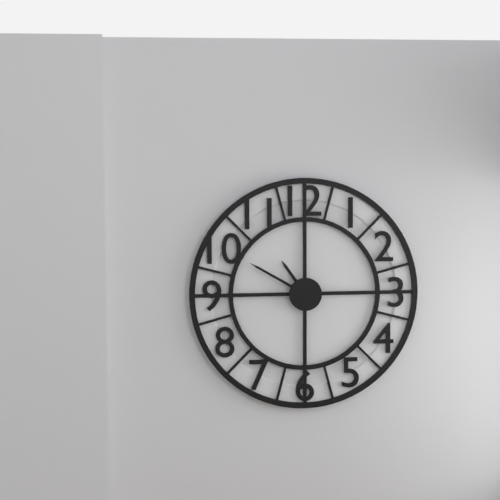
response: 10h50
